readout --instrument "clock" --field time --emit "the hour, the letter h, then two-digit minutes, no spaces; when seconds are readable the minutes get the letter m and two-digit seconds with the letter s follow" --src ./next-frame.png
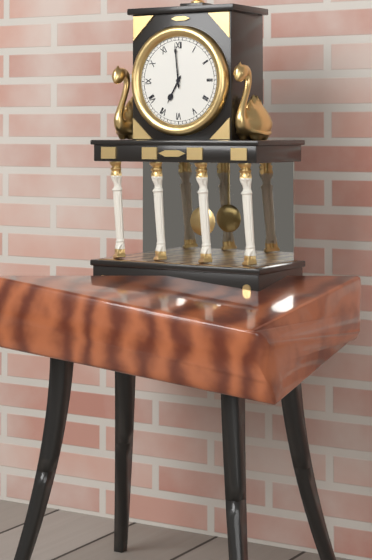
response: 6h59
